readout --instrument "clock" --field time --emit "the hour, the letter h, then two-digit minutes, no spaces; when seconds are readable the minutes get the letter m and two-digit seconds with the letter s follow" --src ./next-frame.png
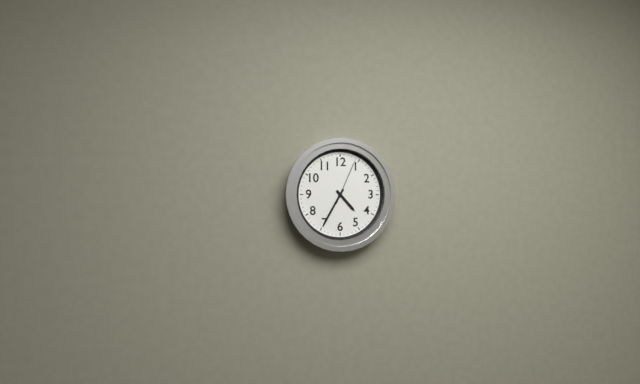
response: 4h35
